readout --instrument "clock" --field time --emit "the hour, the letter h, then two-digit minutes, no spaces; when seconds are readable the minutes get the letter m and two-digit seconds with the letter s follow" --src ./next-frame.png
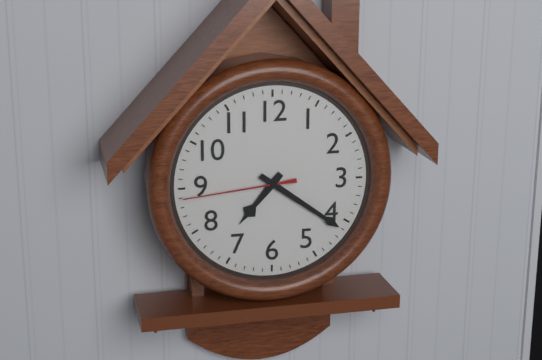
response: 7h21m44s
